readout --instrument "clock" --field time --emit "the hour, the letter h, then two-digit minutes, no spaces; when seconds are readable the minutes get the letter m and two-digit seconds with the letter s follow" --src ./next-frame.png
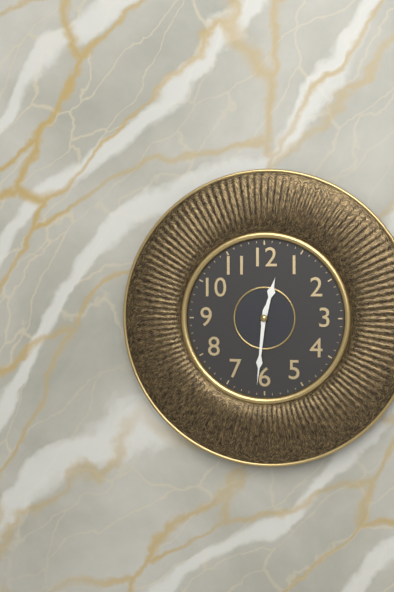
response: 12h31
